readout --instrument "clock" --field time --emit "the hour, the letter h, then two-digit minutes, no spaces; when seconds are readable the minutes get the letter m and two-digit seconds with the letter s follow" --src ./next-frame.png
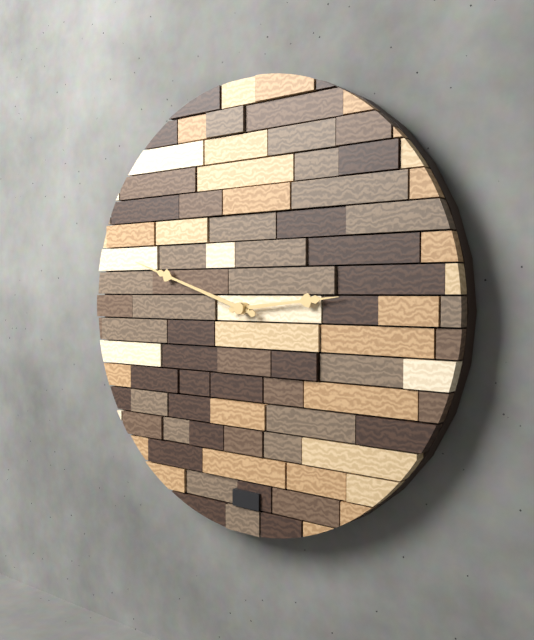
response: 2h48
